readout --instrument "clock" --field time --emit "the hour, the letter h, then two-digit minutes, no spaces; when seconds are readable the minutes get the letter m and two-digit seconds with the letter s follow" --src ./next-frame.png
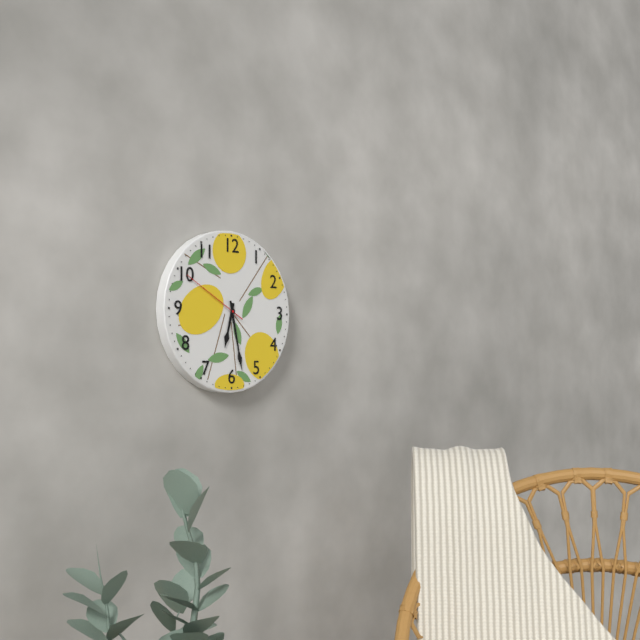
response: 6h28m50s
